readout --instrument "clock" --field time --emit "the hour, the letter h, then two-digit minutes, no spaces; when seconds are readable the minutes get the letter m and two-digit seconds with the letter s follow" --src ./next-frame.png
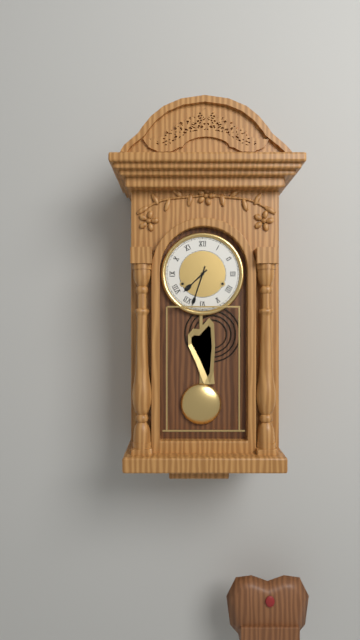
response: 7h33
